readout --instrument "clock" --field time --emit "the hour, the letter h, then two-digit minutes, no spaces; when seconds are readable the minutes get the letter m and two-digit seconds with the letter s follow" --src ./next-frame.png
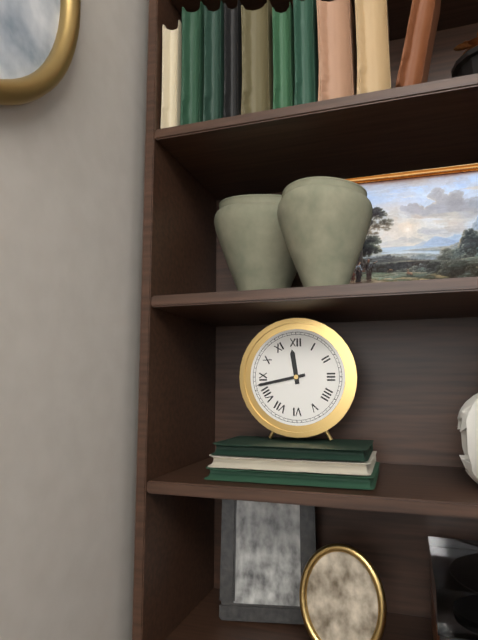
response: 11h43
